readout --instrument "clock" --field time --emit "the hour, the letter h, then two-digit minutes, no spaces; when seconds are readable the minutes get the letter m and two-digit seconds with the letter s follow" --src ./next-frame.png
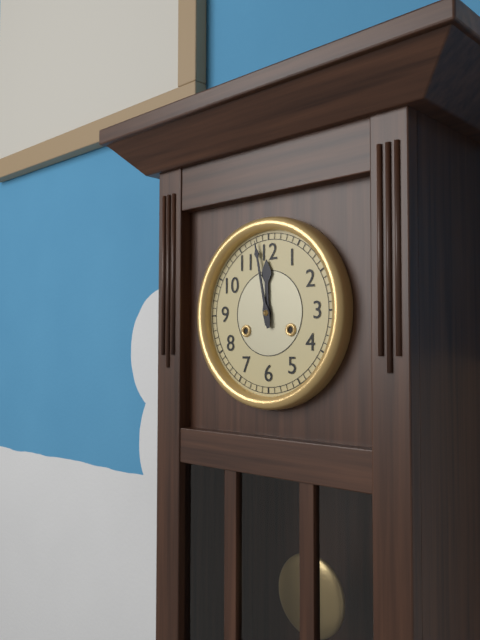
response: 11h58
